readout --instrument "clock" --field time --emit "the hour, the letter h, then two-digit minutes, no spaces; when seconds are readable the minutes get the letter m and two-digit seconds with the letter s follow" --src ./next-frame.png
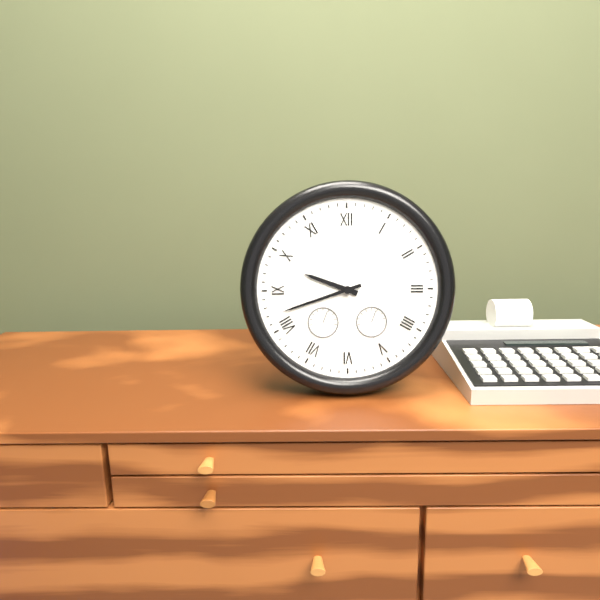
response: 9h42
